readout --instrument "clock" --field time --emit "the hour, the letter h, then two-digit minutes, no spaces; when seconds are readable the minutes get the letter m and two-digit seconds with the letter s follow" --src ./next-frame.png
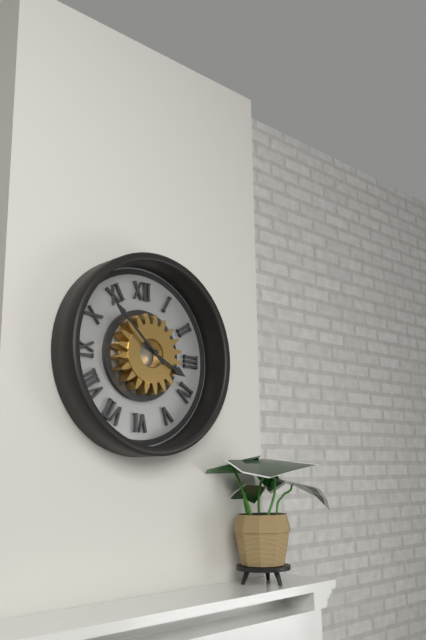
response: 3h52
